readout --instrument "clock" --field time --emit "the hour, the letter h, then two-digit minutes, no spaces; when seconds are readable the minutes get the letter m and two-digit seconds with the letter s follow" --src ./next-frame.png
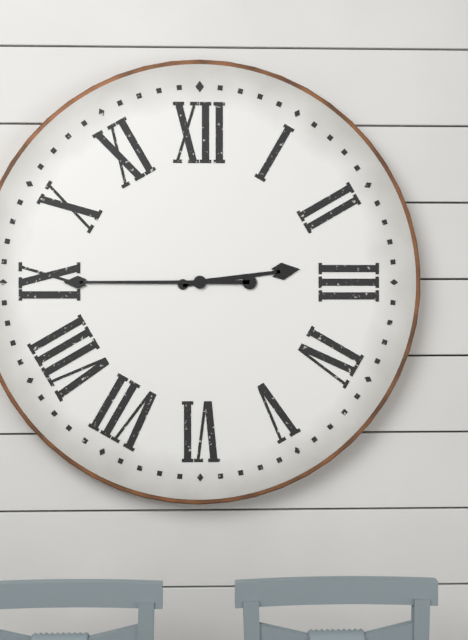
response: 2h45
